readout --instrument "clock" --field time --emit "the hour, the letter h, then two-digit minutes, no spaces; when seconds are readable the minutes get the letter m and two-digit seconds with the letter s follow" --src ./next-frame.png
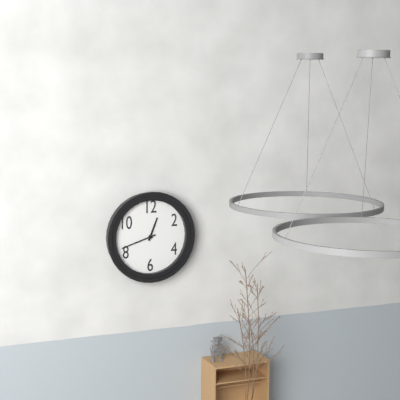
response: 12h42
